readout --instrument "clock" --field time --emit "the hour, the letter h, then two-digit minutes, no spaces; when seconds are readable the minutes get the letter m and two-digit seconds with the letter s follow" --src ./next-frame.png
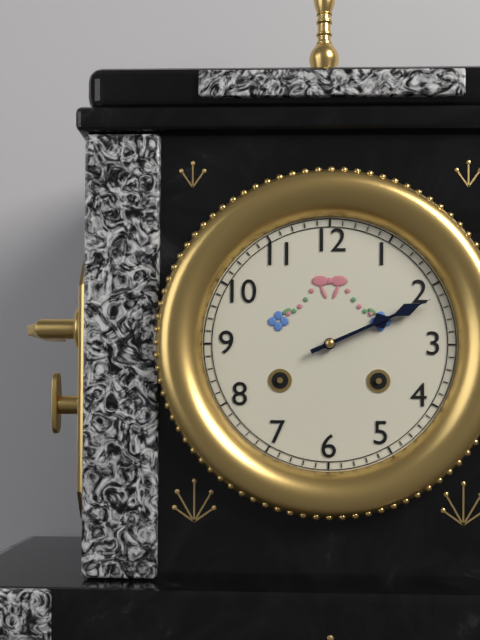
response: 2h11
